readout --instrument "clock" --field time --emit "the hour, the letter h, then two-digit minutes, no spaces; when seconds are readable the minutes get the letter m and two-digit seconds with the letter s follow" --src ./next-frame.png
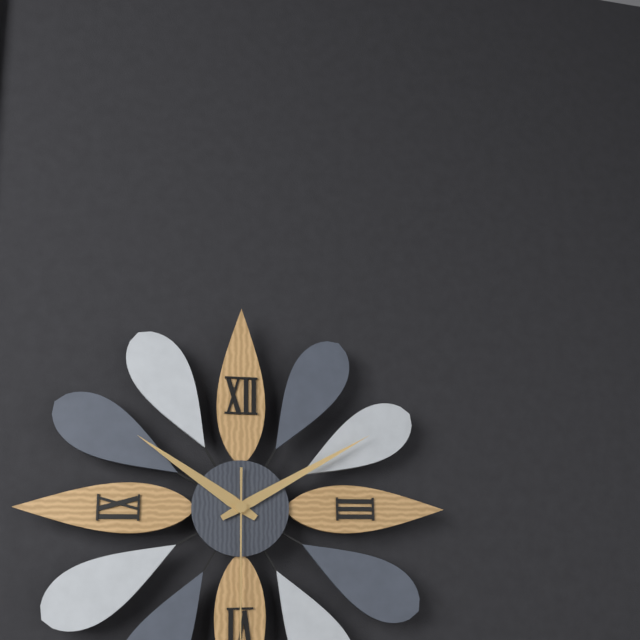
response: 10h10
